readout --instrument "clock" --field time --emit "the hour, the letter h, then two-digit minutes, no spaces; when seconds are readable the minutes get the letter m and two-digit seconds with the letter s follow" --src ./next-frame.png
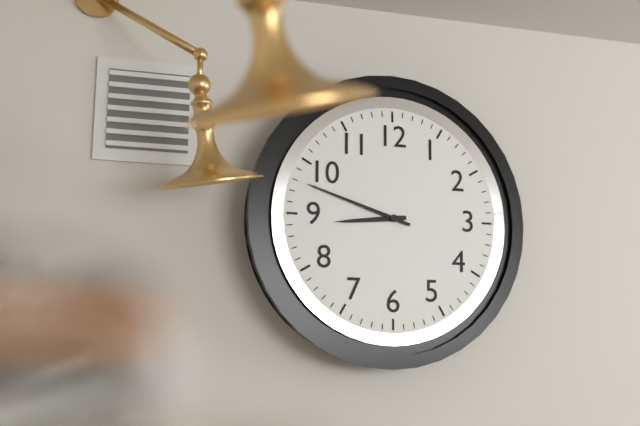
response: 8h48
